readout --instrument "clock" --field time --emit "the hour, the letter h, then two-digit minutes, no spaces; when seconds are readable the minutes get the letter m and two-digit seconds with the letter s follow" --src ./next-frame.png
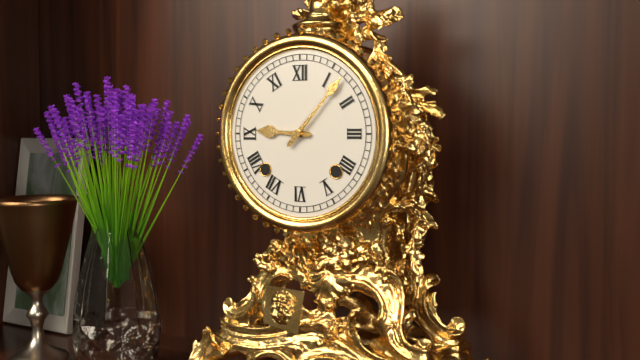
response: 9h07
